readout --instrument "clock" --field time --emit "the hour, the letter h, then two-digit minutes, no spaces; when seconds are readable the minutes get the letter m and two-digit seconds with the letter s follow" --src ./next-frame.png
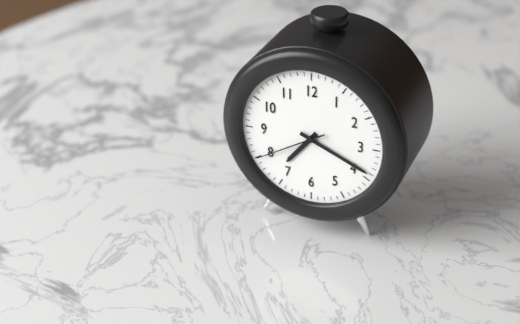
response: 7h19m40s
